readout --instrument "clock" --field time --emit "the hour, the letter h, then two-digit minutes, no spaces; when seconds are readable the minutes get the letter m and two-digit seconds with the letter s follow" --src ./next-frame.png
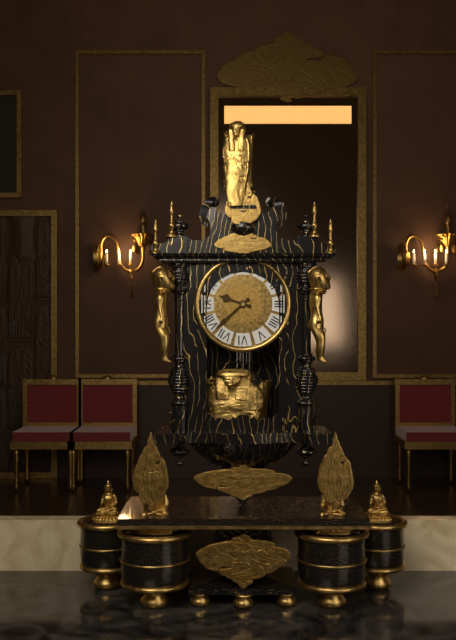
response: 9h38
